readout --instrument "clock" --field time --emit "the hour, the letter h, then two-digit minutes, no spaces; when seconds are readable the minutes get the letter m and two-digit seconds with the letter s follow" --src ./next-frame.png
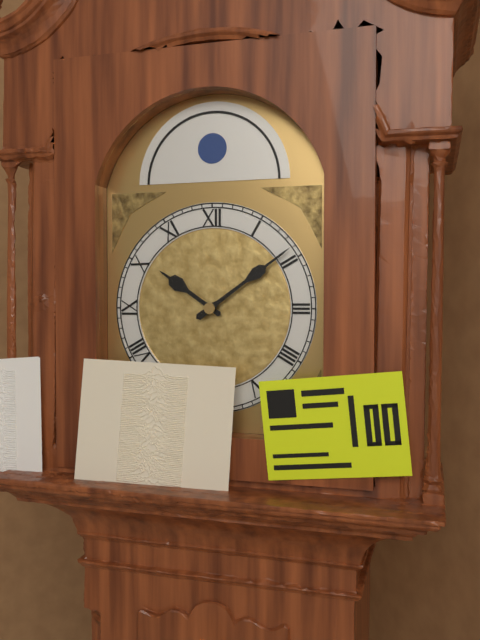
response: 10h09
